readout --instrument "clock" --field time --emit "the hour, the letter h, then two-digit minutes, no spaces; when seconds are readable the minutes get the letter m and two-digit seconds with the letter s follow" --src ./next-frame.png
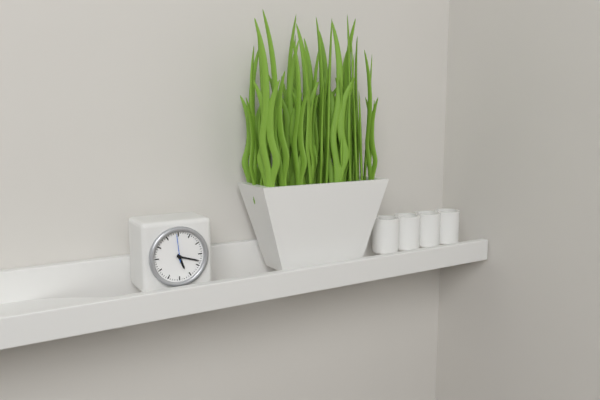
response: 5h18
